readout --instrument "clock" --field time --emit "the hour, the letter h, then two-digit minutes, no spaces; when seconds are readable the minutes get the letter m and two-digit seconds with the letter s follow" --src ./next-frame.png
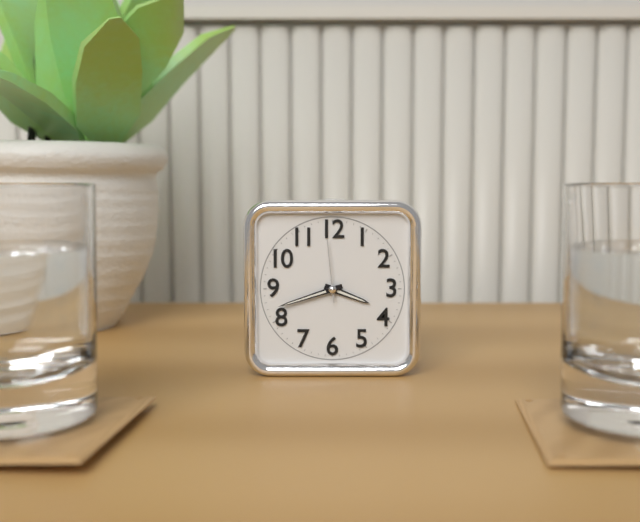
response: 3h42m59s
